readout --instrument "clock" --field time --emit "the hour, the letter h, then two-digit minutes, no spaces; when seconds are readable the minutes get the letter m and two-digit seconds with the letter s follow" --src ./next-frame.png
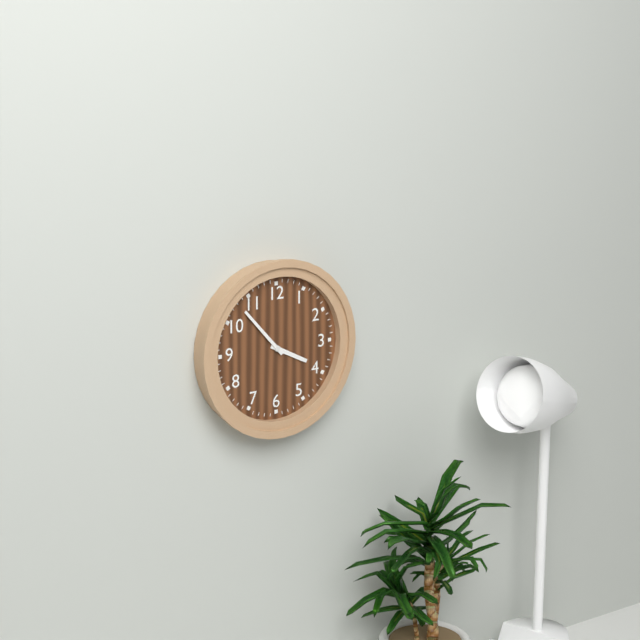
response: 3h53
